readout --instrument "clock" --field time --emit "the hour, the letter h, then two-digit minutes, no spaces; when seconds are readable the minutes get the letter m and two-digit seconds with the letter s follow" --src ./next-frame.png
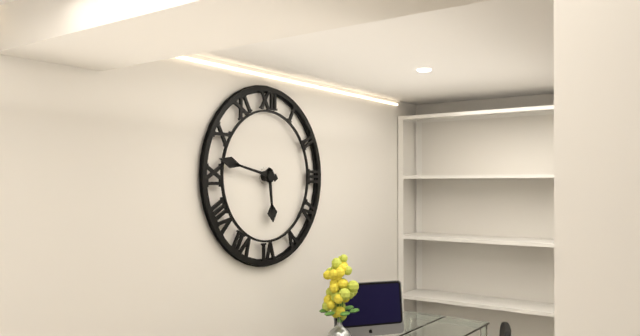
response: 5h47
